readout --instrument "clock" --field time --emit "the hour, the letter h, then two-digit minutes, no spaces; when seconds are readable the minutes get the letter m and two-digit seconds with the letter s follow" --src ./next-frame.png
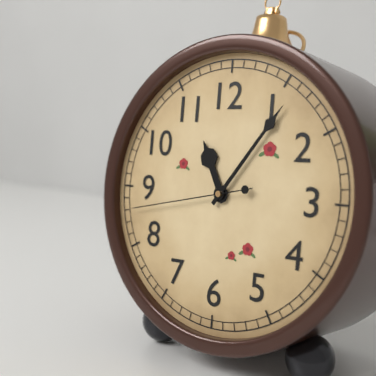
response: 11h06m43s
